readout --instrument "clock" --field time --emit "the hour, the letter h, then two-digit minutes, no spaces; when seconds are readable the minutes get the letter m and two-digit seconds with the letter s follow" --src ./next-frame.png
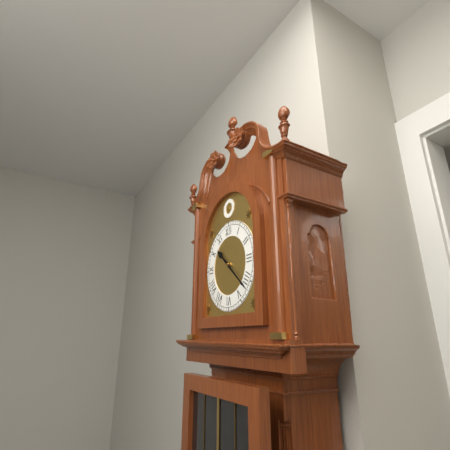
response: 10h22
